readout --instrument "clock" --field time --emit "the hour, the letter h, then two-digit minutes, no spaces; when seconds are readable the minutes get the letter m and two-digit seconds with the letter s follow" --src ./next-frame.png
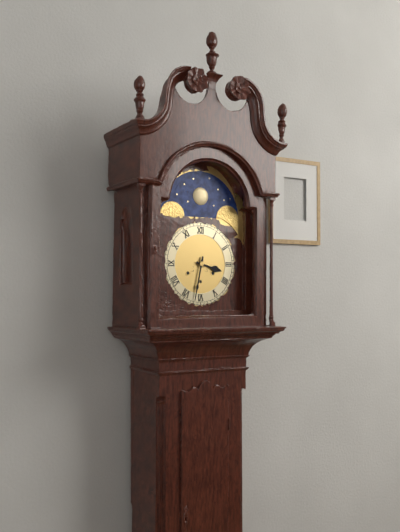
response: 3h32
